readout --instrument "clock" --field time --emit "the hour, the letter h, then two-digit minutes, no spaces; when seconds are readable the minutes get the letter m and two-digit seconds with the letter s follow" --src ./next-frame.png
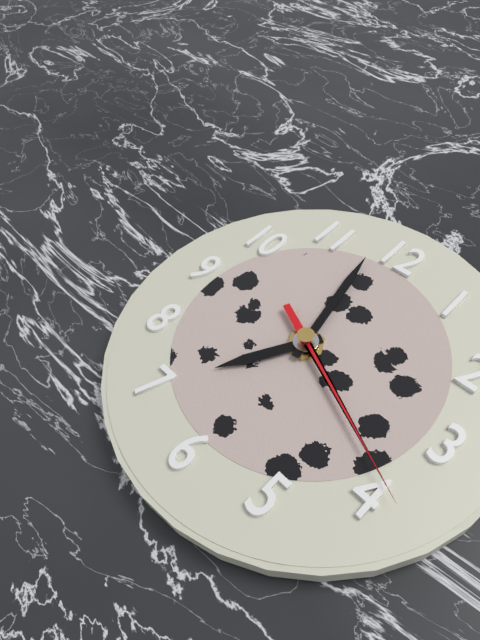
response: 6h58m19s
